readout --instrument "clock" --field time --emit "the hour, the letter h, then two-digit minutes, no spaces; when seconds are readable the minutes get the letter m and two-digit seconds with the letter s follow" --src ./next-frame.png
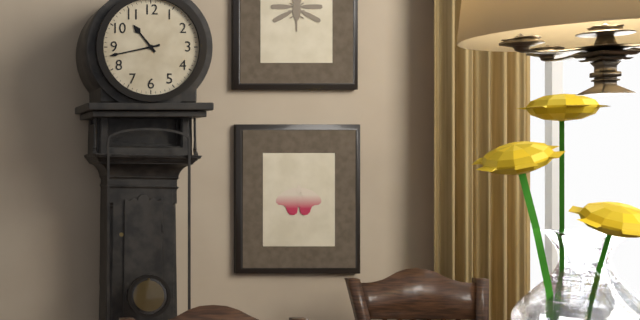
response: 10h43
